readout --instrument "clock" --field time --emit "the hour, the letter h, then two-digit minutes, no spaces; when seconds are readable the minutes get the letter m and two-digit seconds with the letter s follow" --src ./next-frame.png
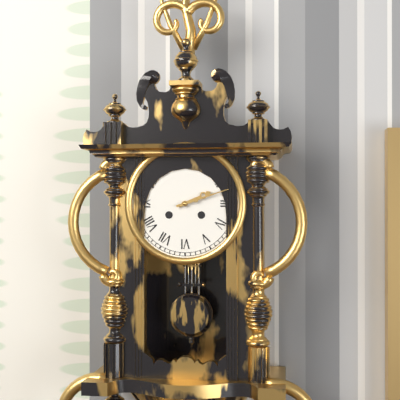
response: 2h12
